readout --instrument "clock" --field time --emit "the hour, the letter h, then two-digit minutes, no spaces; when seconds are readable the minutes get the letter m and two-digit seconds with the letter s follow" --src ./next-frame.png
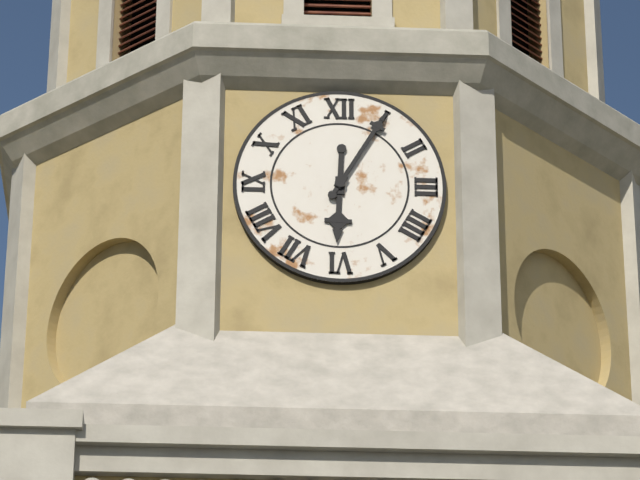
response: 6h05
